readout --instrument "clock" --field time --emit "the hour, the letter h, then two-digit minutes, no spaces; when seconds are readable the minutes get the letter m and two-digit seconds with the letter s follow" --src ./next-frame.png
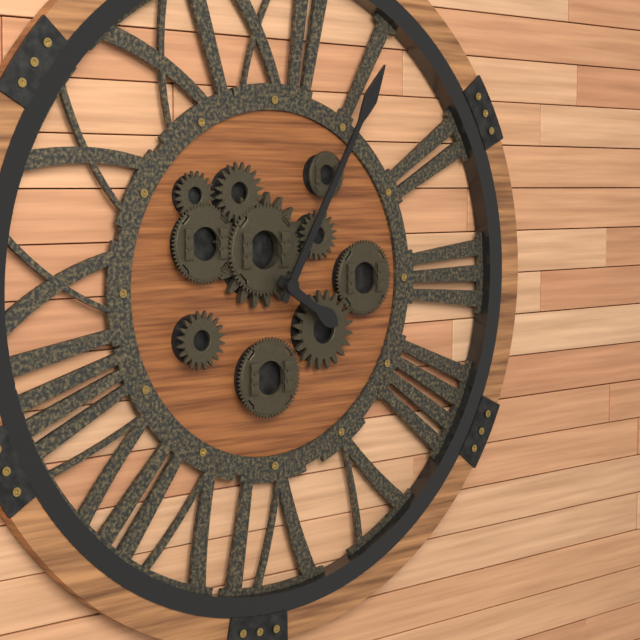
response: 4h05
